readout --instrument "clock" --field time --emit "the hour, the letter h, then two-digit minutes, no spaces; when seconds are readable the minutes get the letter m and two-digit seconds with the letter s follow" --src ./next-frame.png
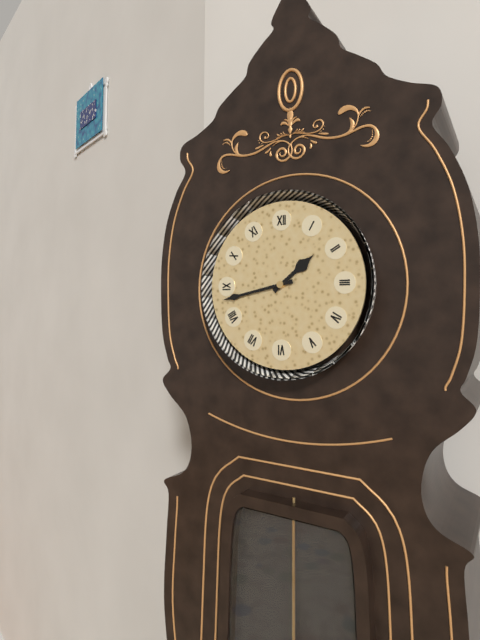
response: 1h43
